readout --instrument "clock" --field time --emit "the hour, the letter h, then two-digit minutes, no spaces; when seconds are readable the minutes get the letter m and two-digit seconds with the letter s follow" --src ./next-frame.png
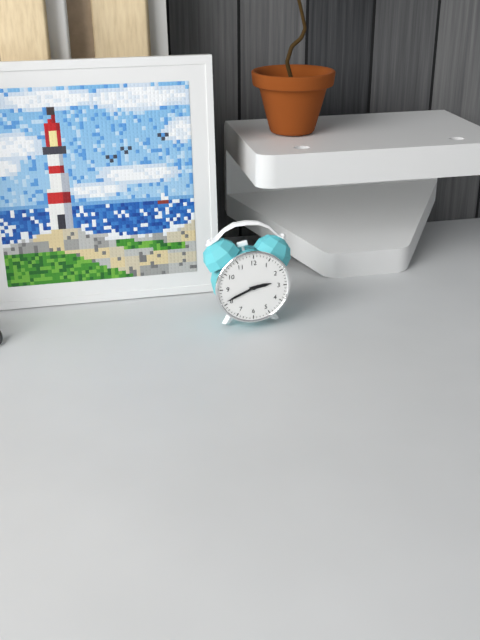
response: 2h41
